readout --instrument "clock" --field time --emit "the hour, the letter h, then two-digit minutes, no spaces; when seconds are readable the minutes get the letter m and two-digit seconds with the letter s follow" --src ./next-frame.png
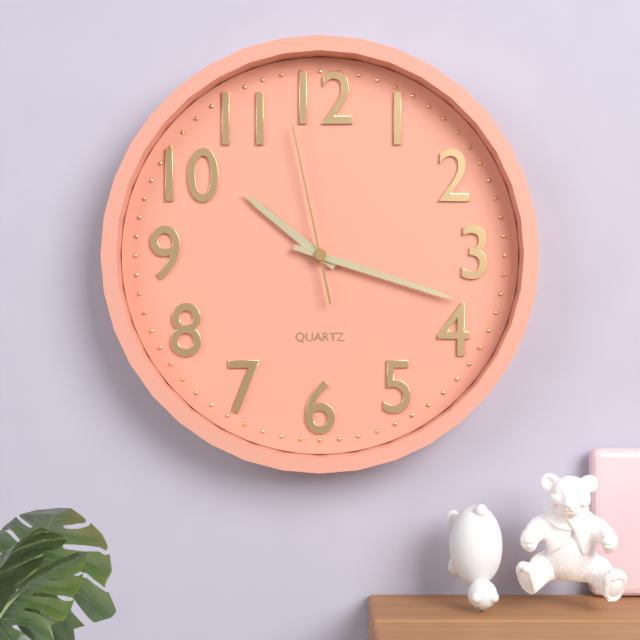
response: 10h18m58s
